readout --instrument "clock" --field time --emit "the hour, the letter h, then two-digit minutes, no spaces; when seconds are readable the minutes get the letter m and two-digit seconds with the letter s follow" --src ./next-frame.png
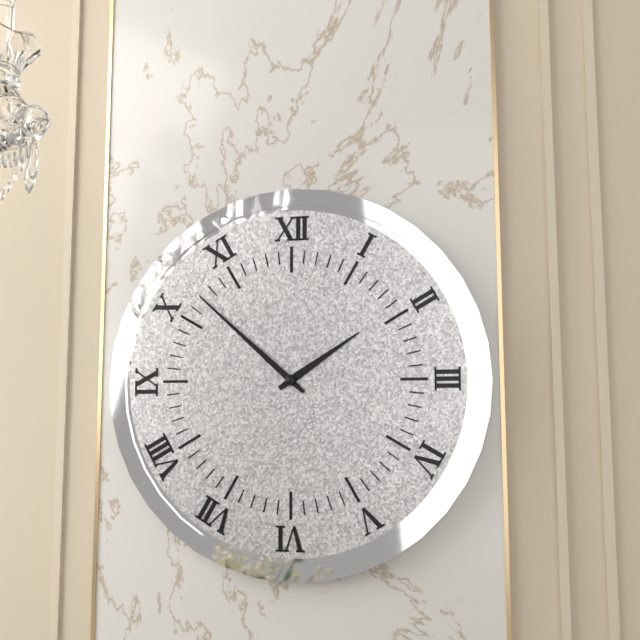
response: 1h52
